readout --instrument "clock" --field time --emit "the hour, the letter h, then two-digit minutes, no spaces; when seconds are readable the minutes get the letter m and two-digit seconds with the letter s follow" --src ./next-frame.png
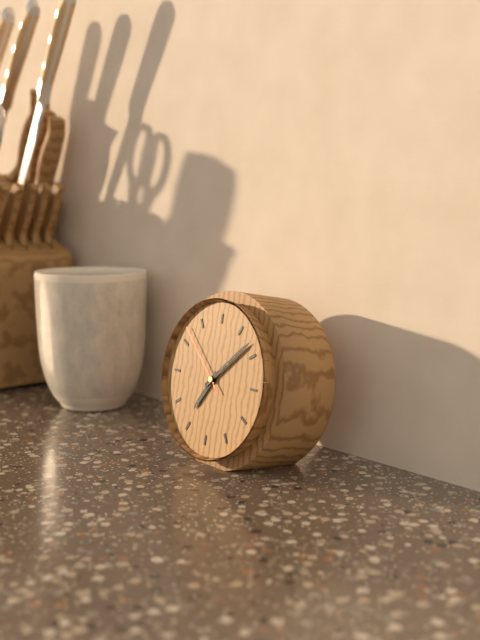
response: 7h08m52s
